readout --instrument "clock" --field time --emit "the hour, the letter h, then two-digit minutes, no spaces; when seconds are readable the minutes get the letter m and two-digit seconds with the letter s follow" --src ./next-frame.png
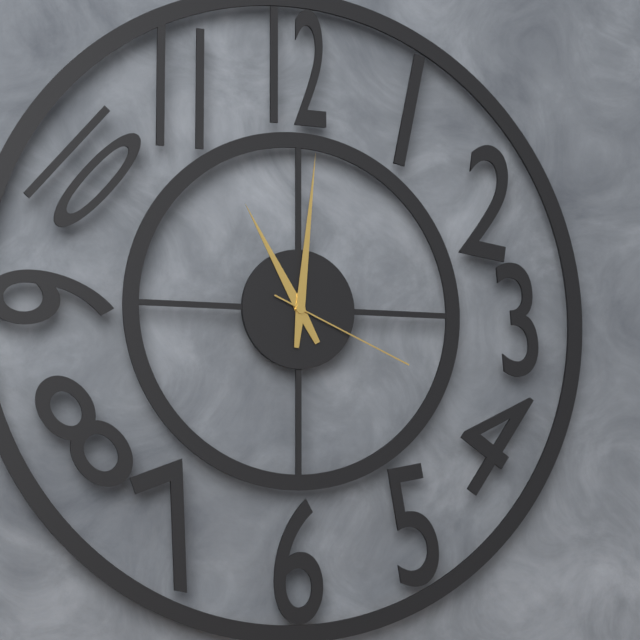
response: 11h01m19s
